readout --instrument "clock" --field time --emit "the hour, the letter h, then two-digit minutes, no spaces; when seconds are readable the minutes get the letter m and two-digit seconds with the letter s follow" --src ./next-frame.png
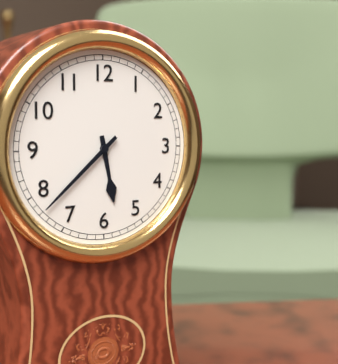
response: 5h38
